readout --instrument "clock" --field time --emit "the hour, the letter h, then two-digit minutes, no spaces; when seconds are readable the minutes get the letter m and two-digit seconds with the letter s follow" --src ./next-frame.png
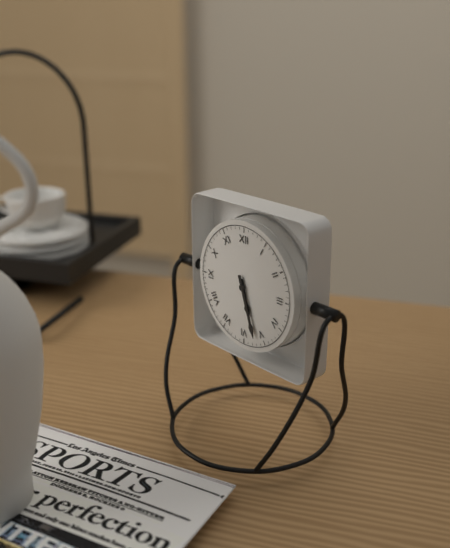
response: 5h27
